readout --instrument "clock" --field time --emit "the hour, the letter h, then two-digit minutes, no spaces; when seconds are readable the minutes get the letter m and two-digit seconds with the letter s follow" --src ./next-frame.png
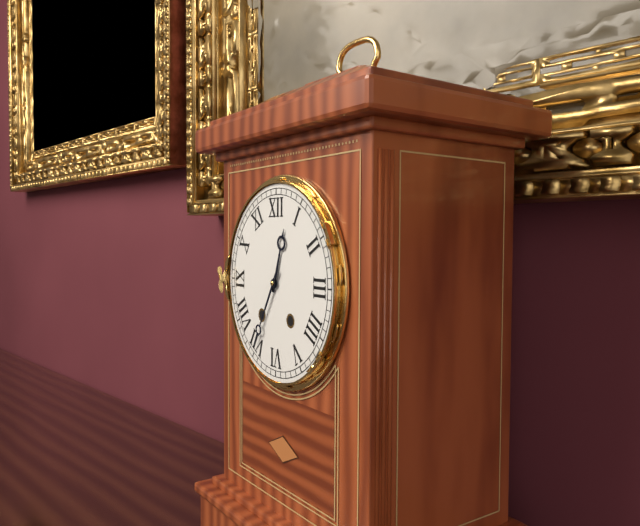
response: 12h35
